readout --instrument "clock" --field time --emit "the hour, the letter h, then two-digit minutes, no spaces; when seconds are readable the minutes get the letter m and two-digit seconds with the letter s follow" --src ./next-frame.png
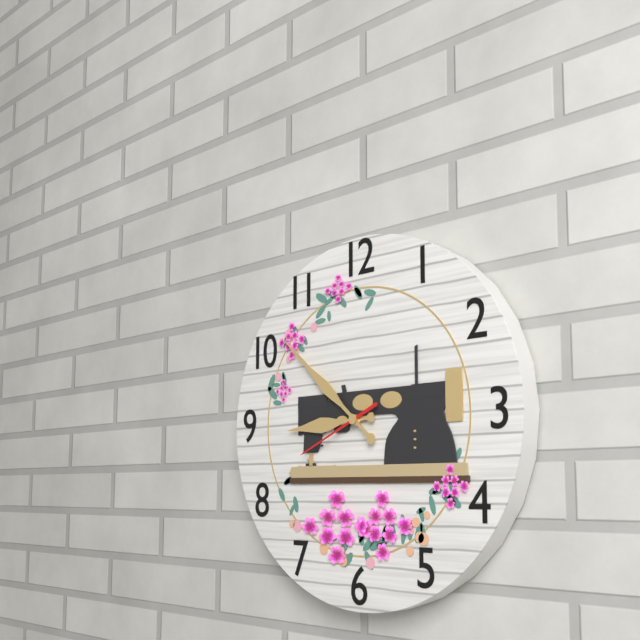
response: 8h52m41s
